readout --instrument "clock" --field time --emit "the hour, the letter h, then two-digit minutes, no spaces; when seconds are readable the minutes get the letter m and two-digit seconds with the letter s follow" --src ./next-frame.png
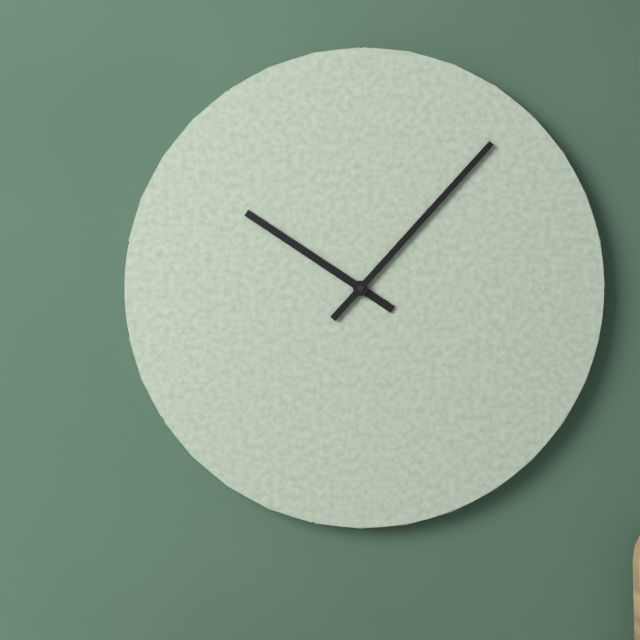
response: 10h07
